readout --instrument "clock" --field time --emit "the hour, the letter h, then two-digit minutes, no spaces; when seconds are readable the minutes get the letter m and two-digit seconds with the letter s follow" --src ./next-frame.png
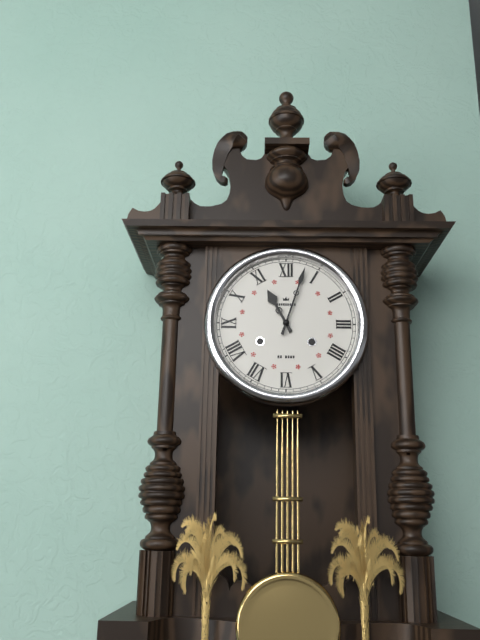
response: 11h03
